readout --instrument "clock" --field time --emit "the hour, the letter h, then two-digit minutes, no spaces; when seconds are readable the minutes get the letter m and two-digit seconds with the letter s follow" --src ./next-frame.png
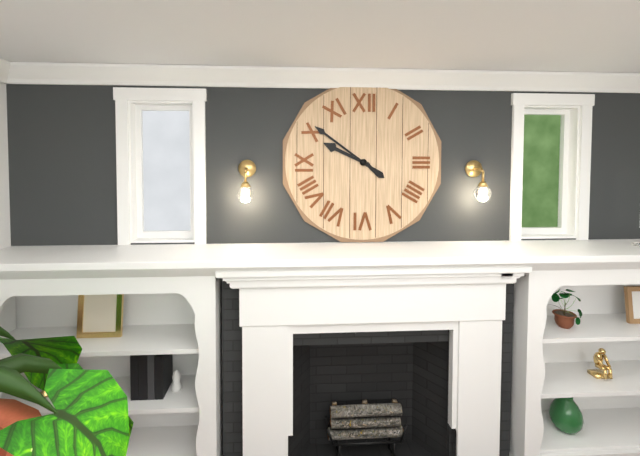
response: 9h51
